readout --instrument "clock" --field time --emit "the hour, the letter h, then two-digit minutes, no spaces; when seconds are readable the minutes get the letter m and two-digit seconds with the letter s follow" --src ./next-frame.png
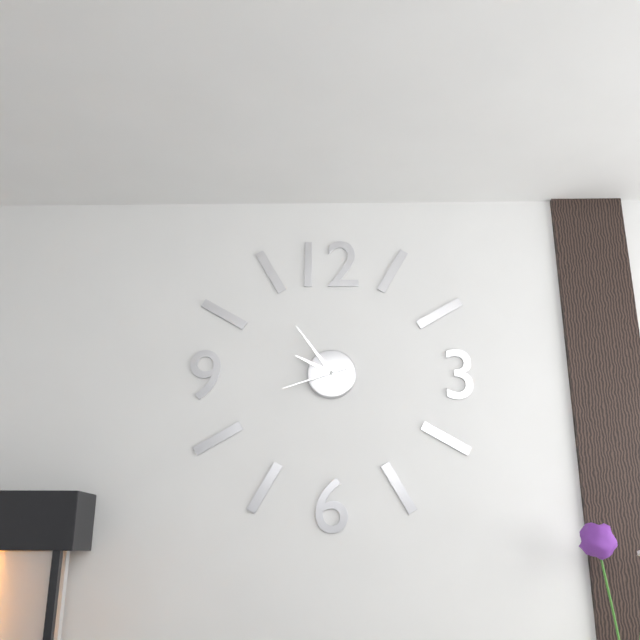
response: 9h54m42s
